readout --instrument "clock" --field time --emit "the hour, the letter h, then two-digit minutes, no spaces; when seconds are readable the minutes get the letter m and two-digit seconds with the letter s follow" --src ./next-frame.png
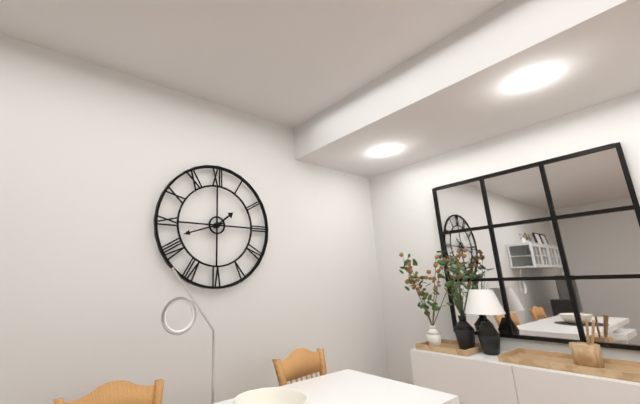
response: 1h42
